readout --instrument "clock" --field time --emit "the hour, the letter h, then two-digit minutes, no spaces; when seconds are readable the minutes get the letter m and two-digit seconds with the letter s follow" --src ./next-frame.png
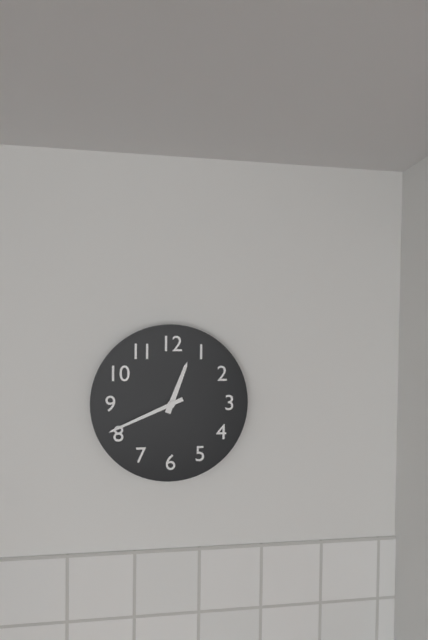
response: 12h41
